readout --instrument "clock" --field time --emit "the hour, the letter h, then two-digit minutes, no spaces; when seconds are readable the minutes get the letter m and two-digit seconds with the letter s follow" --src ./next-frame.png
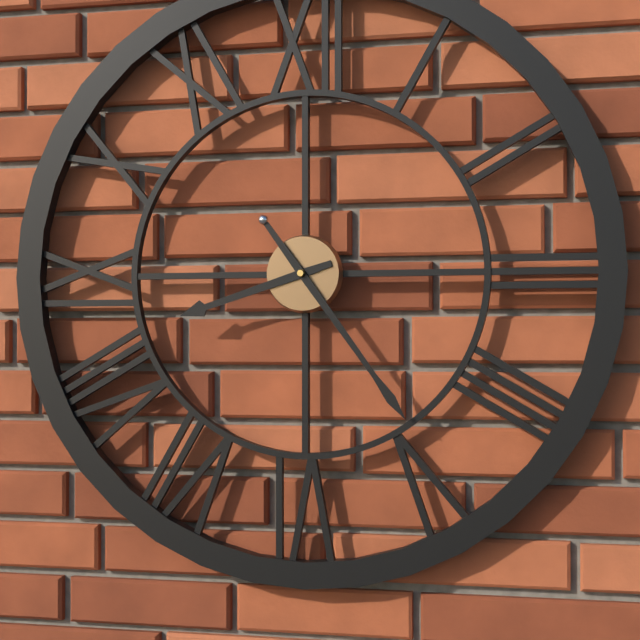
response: 8h24
